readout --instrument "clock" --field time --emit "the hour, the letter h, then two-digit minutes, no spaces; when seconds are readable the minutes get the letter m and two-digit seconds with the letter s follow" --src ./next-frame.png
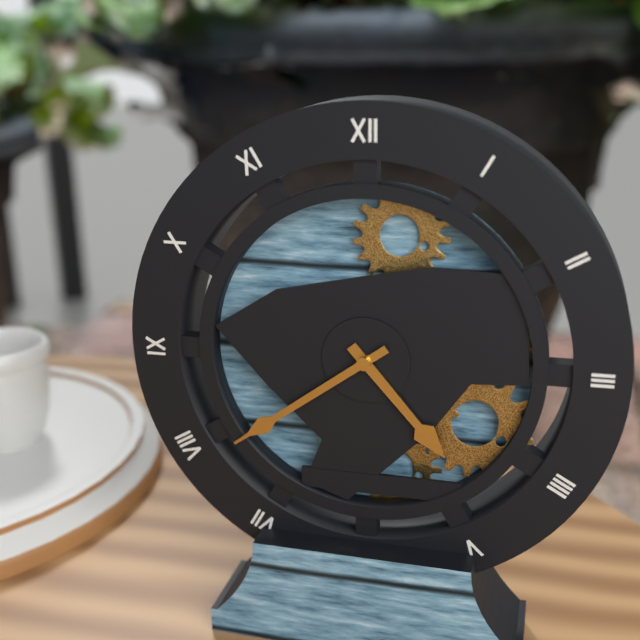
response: 4h39
